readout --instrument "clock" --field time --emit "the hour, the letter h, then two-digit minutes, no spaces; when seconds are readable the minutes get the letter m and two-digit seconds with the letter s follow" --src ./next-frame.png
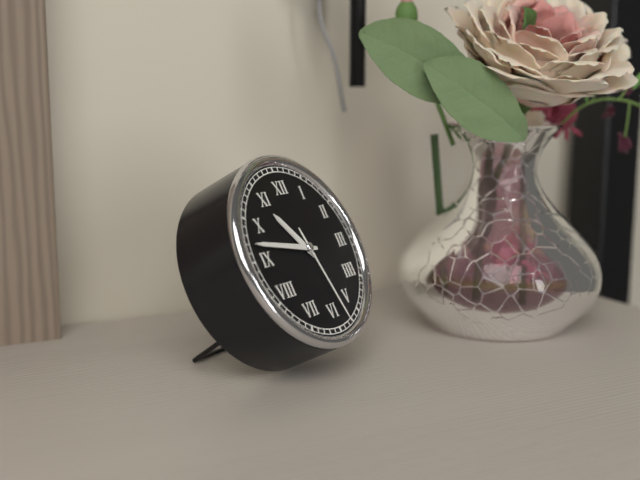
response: 10h47m28s
